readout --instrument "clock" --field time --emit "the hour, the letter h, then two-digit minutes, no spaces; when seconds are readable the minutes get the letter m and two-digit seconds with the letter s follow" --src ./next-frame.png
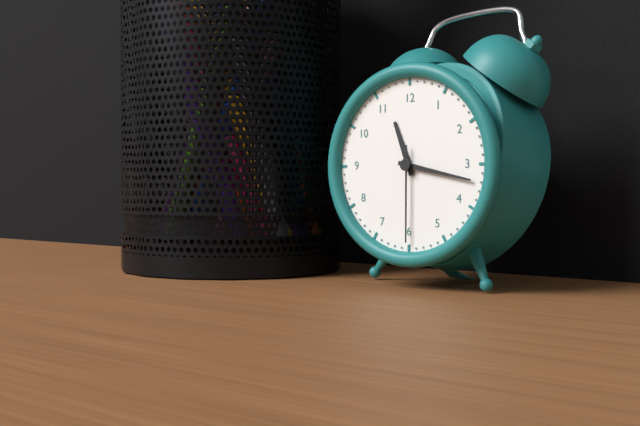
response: 11h17m30s
